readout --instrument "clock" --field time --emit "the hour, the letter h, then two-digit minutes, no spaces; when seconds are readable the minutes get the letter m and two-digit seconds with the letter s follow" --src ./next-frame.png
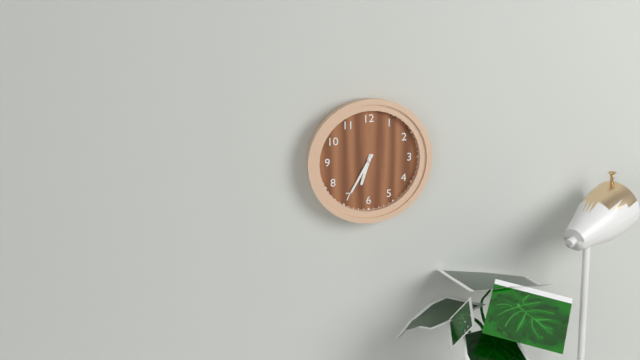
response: 6h35
